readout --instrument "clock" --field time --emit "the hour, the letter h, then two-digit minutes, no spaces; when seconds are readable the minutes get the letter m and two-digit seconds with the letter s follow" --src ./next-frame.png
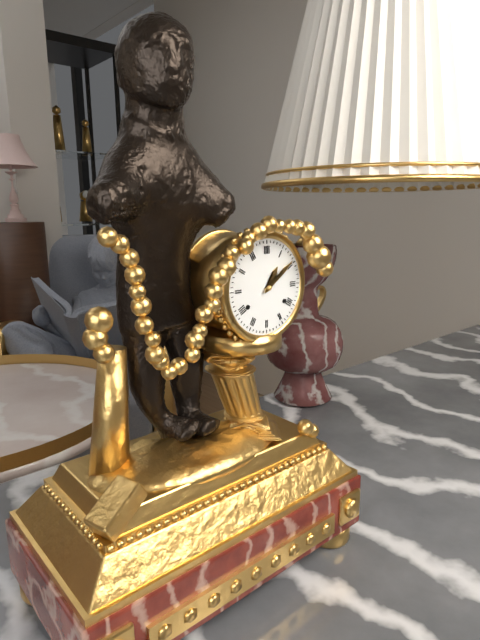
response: 1h09
